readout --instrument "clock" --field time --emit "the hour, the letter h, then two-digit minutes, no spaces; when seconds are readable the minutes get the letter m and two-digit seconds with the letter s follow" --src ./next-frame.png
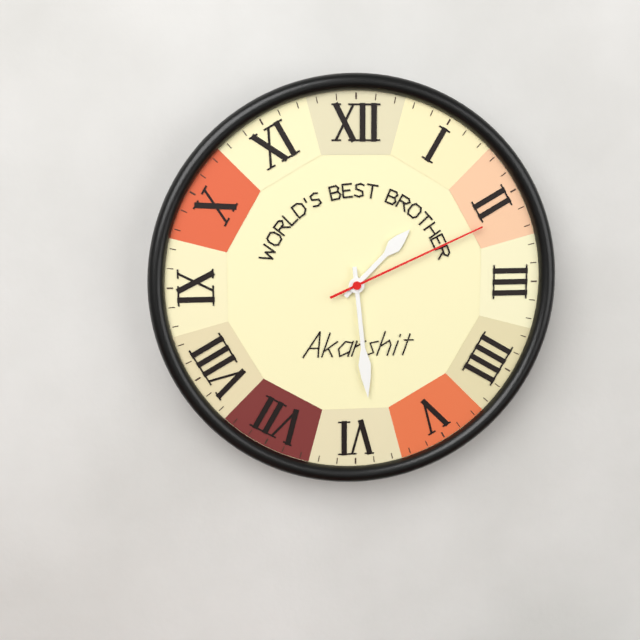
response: 1h29m11s
